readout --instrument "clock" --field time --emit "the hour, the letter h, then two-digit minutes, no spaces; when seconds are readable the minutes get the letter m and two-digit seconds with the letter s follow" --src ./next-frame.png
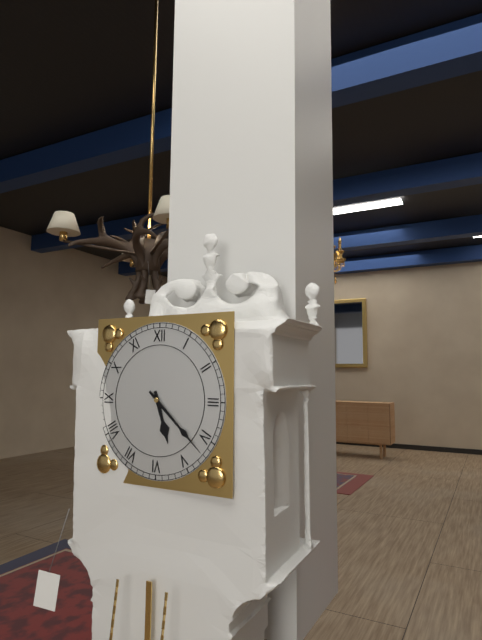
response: 5h22
